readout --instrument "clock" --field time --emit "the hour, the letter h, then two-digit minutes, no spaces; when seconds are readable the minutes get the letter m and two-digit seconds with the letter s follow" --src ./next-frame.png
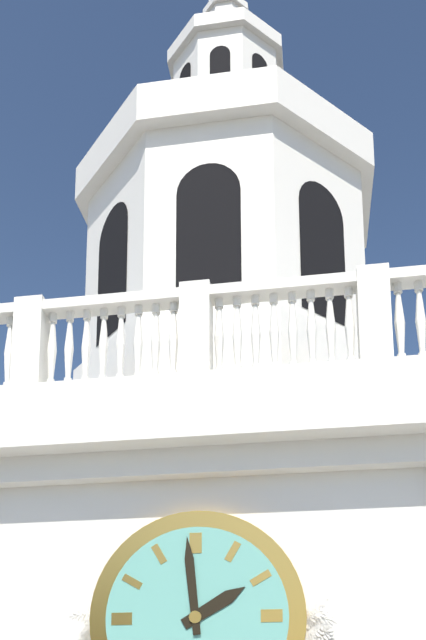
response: 1h59
